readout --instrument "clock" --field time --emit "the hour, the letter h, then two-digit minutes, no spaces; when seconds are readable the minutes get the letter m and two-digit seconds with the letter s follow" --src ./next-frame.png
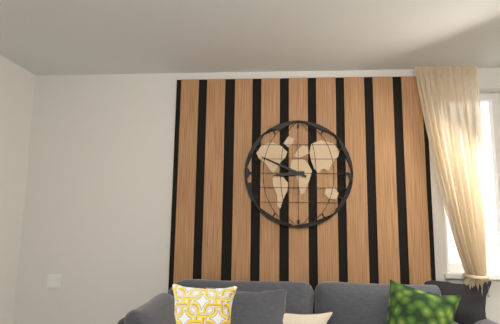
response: 8h49
